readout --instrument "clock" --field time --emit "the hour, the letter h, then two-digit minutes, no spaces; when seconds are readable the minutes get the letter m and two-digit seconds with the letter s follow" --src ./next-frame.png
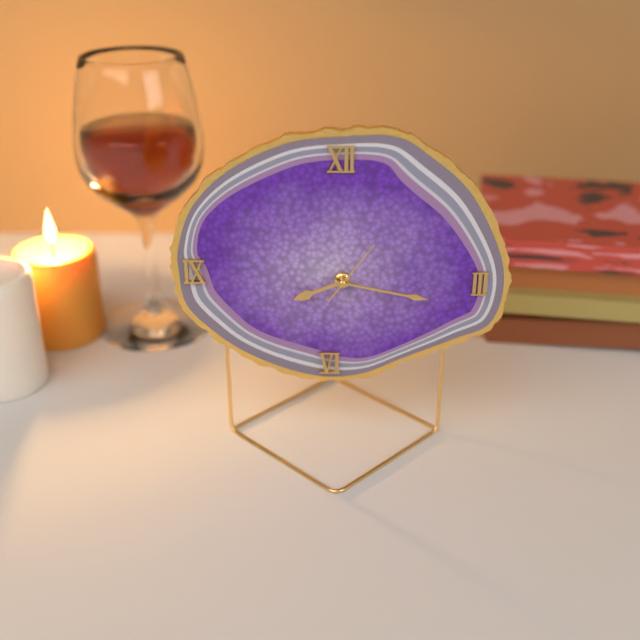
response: 8h17m06s
